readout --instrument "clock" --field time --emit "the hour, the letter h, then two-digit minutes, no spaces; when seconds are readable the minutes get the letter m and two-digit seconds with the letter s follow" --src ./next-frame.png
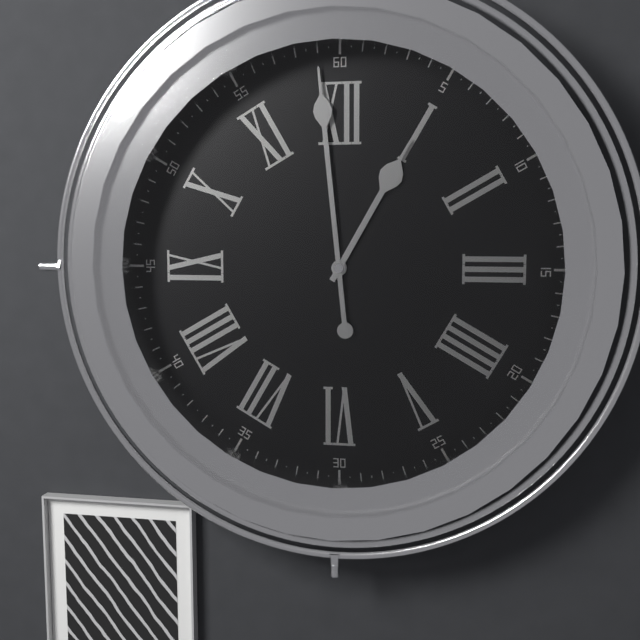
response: 12h59
